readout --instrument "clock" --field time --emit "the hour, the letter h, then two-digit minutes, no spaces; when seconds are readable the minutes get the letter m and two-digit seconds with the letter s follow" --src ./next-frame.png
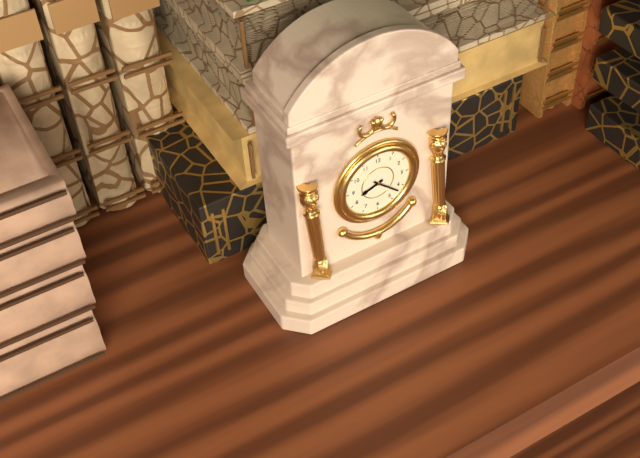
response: 8h22
